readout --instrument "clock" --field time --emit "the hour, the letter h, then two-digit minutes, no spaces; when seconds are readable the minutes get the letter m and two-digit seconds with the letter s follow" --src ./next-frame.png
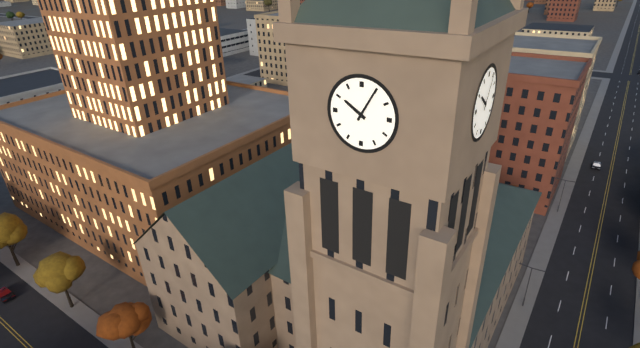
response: 10h05
